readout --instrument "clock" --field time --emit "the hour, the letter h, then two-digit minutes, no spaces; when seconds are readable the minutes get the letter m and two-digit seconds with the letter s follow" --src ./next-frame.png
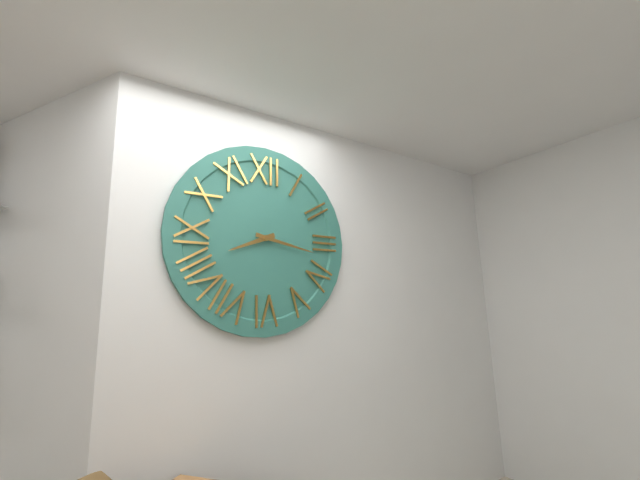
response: 8h17
